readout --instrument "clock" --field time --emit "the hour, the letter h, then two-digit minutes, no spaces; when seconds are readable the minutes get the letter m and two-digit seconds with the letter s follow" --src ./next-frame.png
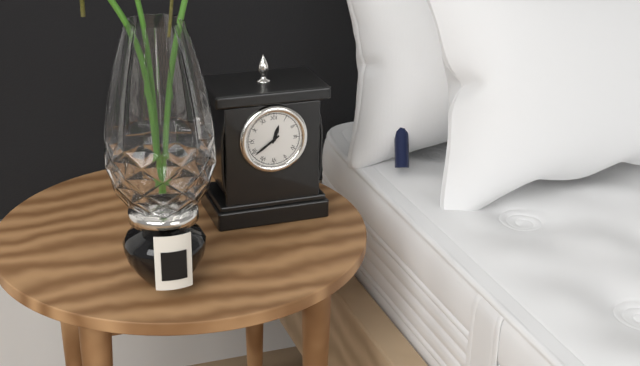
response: 12h39
